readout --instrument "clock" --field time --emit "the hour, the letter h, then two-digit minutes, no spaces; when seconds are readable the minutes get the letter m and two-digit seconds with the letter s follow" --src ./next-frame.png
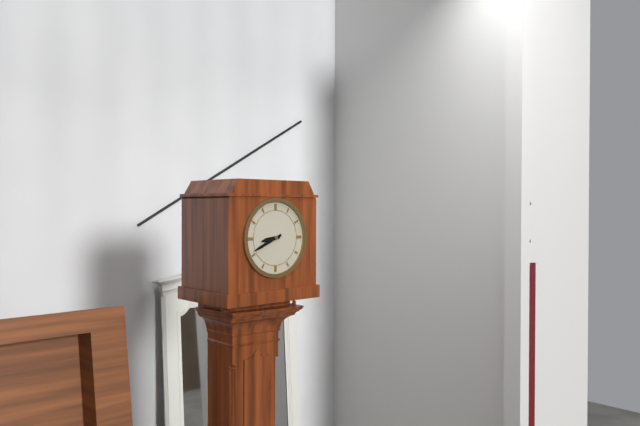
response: 8h41
